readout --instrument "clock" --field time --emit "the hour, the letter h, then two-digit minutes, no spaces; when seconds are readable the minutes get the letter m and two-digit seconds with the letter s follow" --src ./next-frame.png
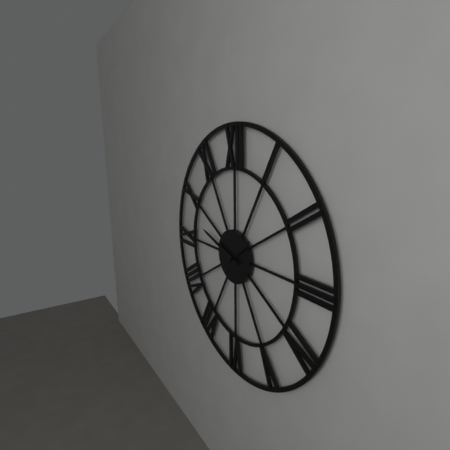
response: 1h48
